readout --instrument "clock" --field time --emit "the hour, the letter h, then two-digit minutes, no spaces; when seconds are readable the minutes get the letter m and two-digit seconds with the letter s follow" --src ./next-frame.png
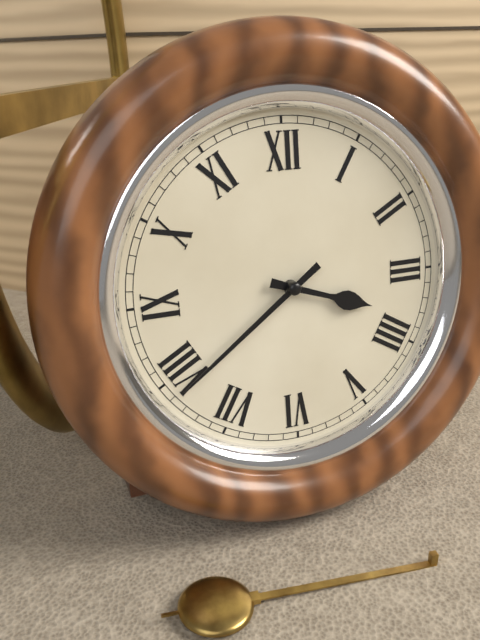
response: 3h39
